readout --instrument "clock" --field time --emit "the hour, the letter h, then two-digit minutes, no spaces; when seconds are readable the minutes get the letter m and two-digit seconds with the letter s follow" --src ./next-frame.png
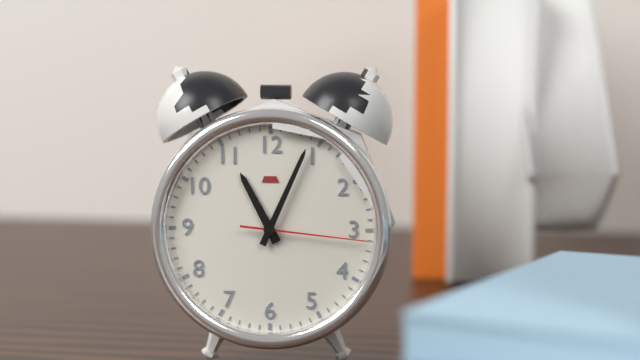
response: 11h04m16s
